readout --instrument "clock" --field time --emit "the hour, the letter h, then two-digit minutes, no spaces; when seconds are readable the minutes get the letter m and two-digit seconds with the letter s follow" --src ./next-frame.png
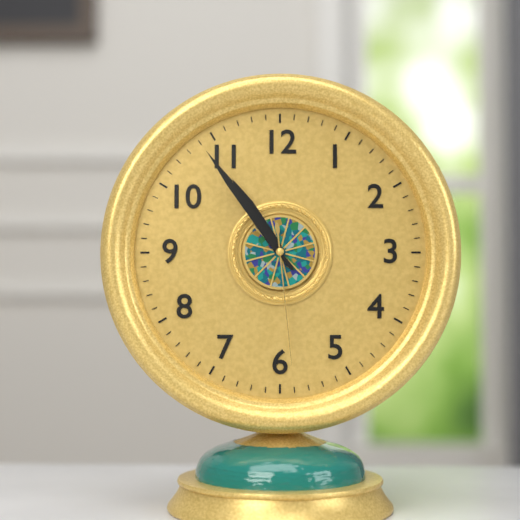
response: 10h54m29s
